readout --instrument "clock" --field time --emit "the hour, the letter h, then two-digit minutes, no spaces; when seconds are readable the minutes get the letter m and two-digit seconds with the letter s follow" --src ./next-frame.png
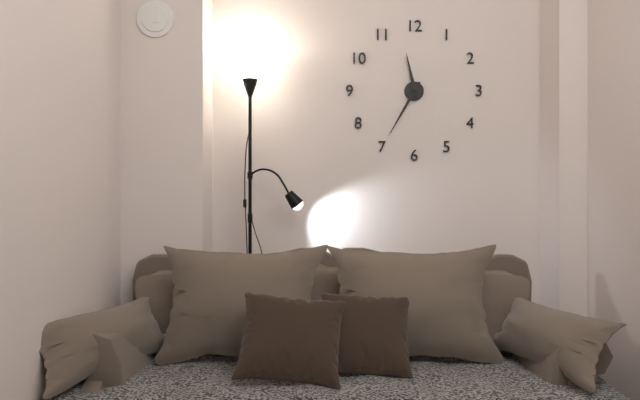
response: 11h35
